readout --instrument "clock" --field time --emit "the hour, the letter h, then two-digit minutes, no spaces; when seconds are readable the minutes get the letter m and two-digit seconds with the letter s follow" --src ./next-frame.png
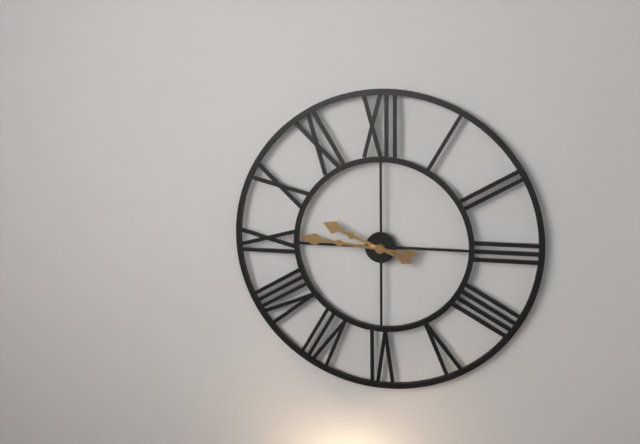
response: 9h46
